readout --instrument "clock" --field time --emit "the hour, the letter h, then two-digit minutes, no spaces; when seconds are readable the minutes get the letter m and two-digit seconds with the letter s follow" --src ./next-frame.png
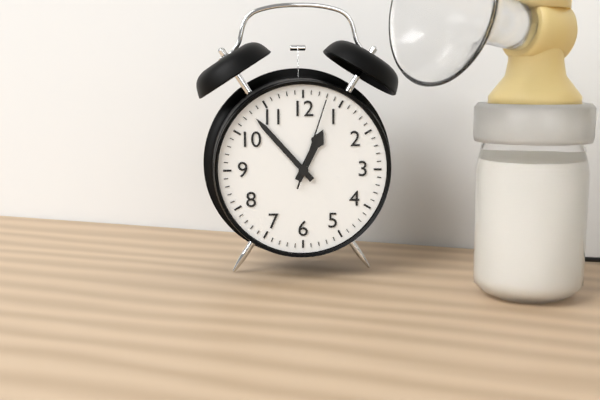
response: 12h53m03s
